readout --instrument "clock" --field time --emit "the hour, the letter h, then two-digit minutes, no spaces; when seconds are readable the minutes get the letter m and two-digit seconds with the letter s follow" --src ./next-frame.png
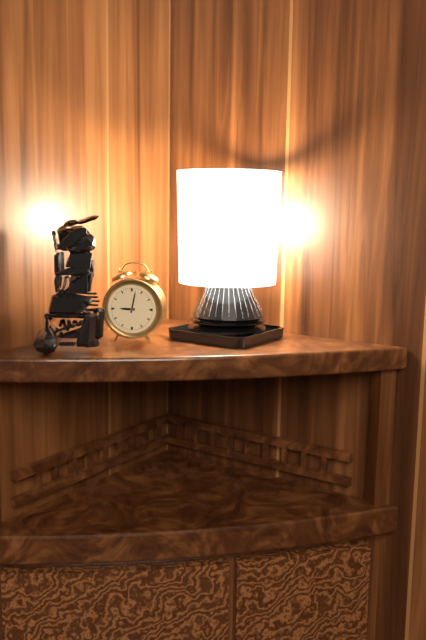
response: 9h02
